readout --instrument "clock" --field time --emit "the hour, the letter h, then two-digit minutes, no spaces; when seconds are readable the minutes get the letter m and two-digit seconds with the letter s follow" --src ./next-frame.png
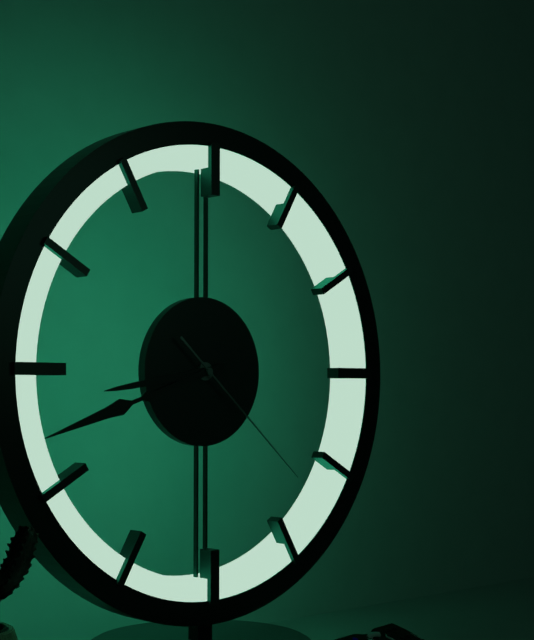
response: 8h42m22s
